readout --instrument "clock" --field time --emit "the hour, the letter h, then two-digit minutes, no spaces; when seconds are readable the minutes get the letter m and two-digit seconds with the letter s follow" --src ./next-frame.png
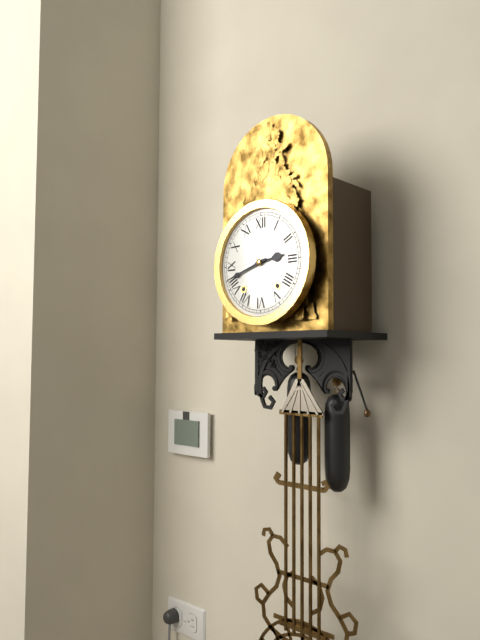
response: 2h42
